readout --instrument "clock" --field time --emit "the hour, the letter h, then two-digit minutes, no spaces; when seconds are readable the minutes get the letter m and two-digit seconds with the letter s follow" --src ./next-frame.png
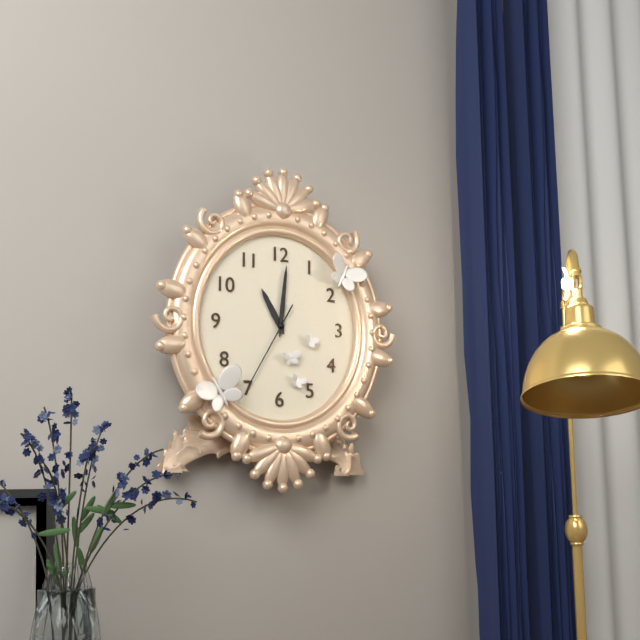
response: 11h01m35s
